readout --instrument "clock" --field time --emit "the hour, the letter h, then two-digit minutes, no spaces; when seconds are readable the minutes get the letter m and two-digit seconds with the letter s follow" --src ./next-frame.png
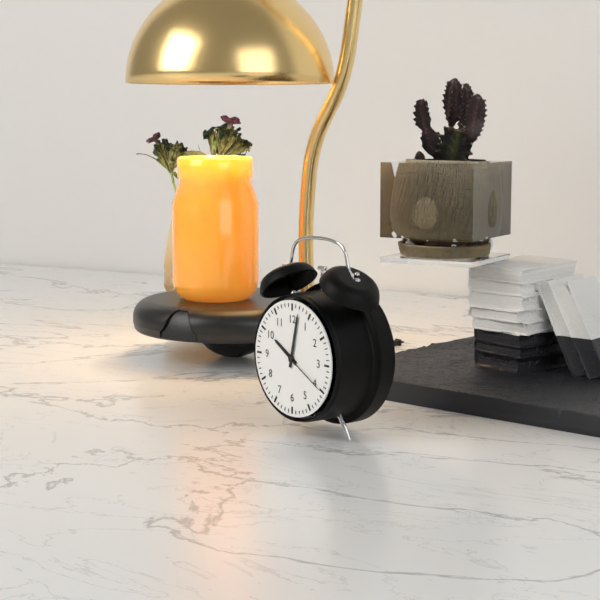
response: 10h02m20s
